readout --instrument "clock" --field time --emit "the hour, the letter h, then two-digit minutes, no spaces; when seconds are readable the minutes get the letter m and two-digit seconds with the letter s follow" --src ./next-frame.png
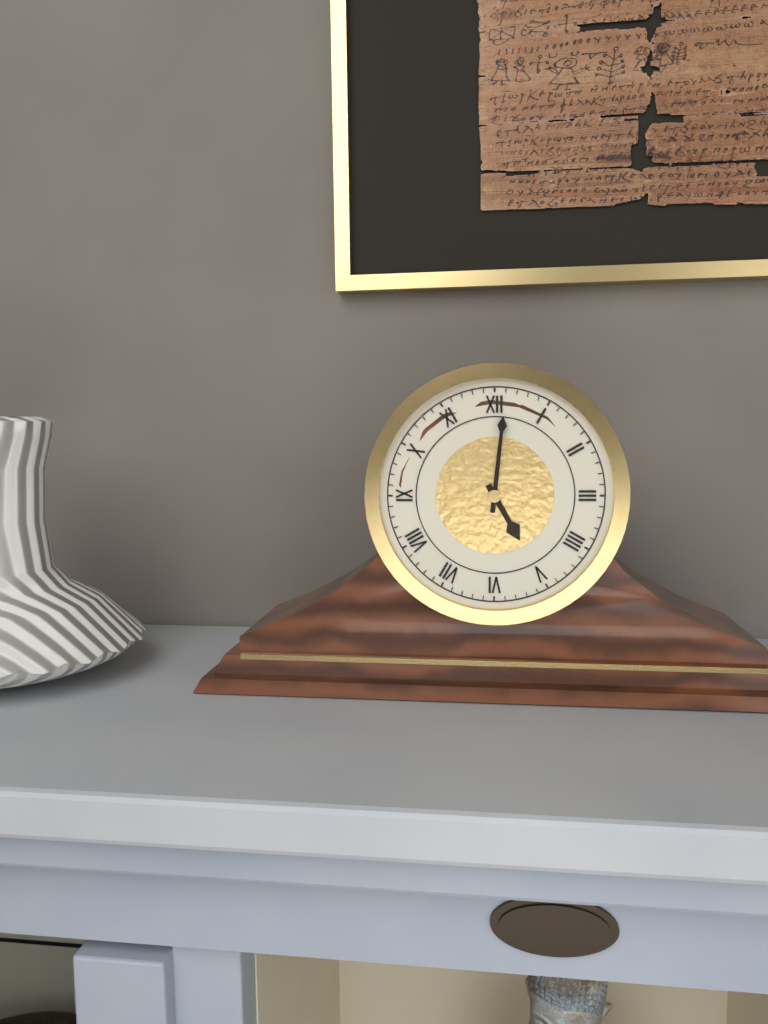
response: 5h01
